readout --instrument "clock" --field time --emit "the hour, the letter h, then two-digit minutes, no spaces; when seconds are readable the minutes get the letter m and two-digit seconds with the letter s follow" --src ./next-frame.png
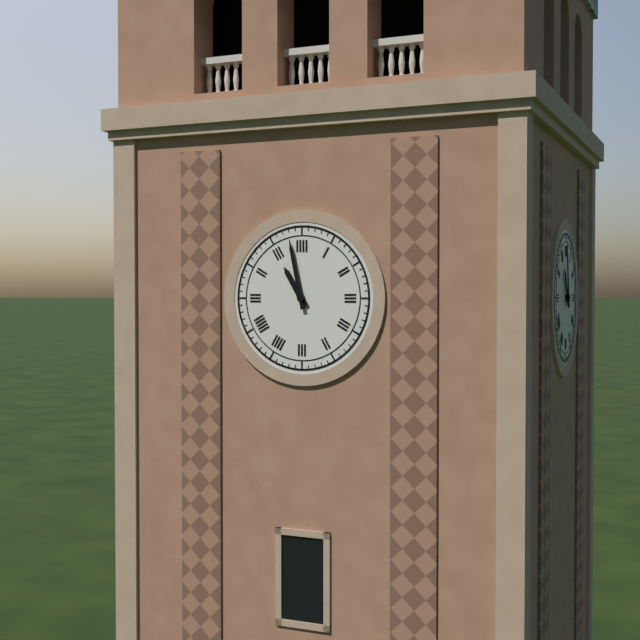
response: 10h58
